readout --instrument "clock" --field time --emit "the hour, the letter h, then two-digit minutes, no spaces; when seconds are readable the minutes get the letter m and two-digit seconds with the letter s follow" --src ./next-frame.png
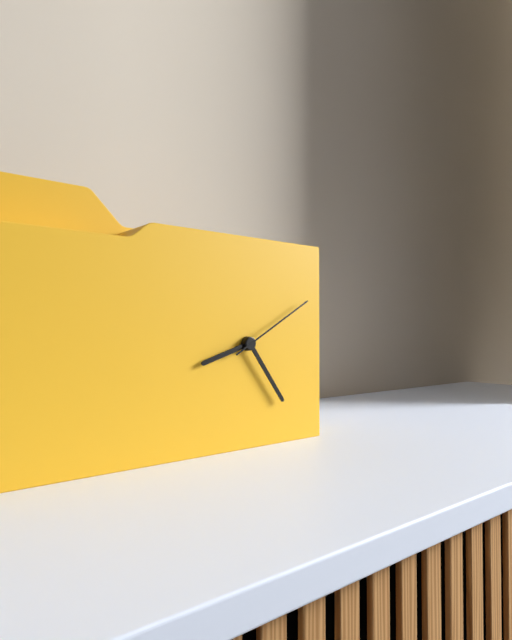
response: 8h24m10s
